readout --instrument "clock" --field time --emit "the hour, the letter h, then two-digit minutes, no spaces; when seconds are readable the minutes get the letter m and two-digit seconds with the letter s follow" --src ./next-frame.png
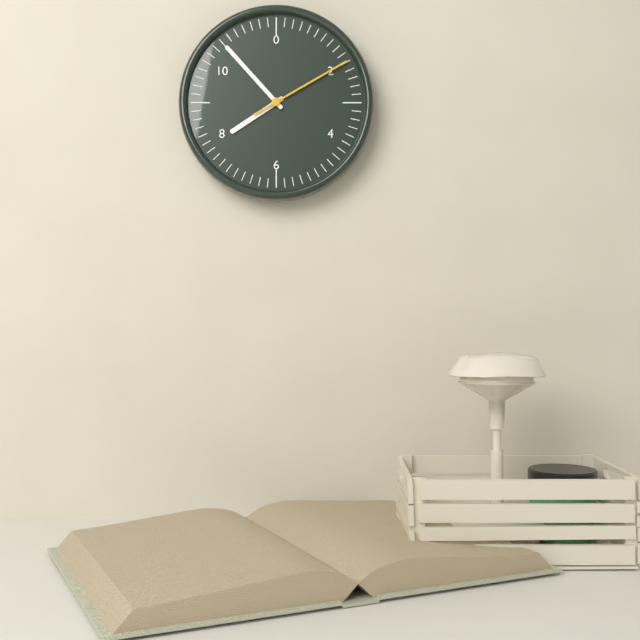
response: 7h53m10s
